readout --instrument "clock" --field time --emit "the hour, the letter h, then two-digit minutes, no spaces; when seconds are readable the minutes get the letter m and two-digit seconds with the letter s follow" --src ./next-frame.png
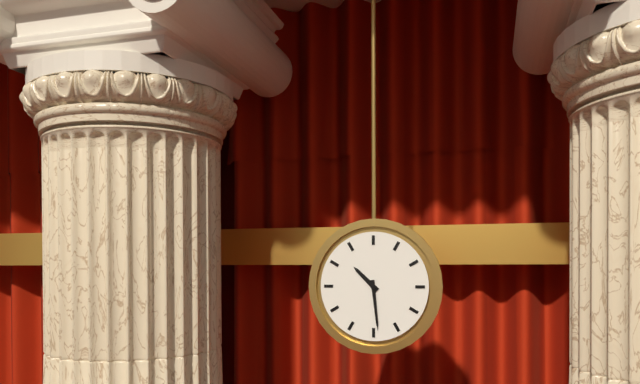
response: 10h29
